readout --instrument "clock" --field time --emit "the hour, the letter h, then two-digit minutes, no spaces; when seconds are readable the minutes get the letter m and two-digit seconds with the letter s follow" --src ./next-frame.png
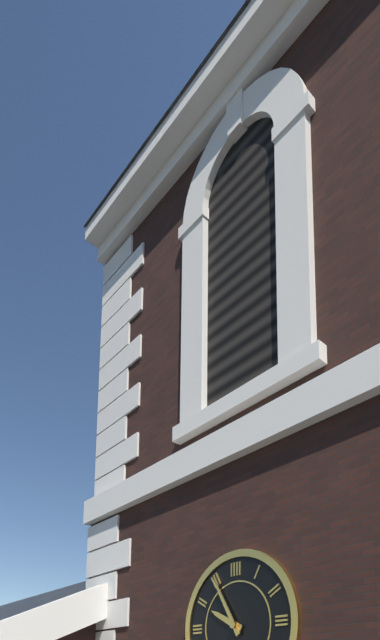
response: 9h55
